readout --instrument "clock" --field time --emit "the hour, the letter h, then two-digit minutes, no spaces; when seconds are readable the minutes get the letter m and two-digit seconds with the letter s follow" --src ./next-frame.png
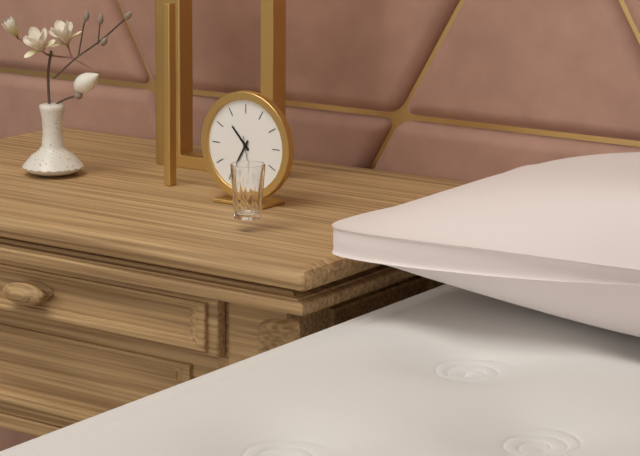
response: 10h35m28s
